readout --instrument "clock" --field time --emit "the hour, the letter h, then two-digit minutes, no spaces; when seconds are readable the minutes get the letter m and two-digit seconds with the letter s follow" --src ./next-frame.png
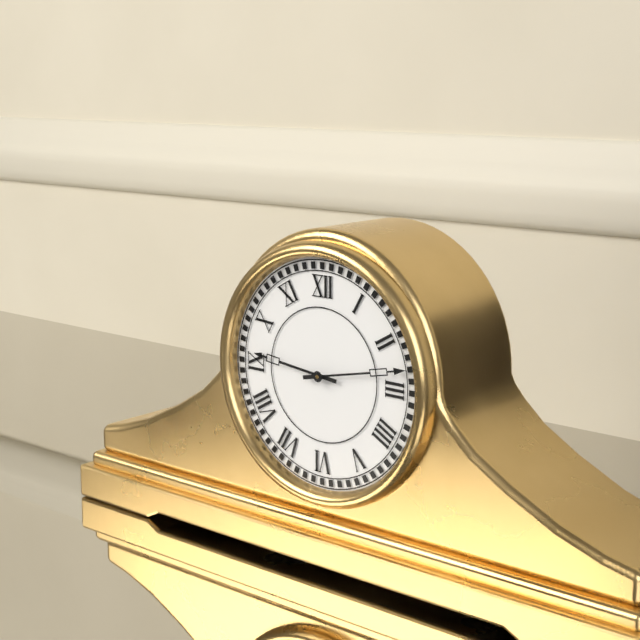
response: 9h13
